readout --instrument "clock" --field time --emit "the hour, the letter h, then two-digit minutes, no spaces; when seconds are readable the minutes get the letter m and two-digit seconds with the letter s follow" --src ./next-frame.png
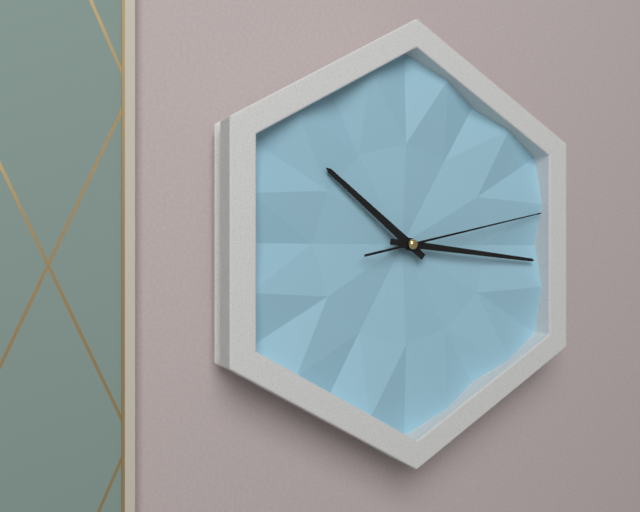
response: 10h16m13s
